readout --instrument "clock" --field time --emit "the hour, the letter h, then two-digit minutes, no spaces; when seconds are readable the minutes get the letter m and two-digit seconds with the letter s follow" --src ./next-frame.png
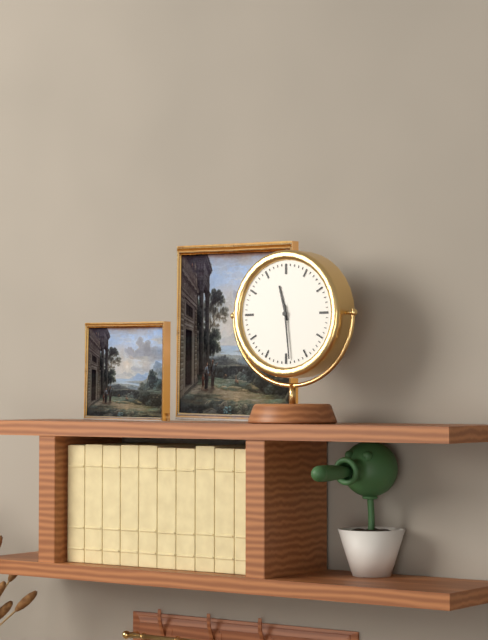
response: 11h29
